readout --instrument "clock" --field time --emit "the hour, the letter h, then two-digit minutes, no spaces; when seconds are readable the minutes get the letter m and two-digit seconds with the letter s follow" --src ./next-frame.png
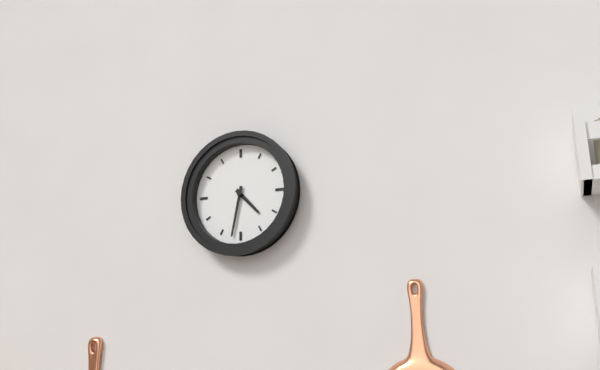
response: 4h32
